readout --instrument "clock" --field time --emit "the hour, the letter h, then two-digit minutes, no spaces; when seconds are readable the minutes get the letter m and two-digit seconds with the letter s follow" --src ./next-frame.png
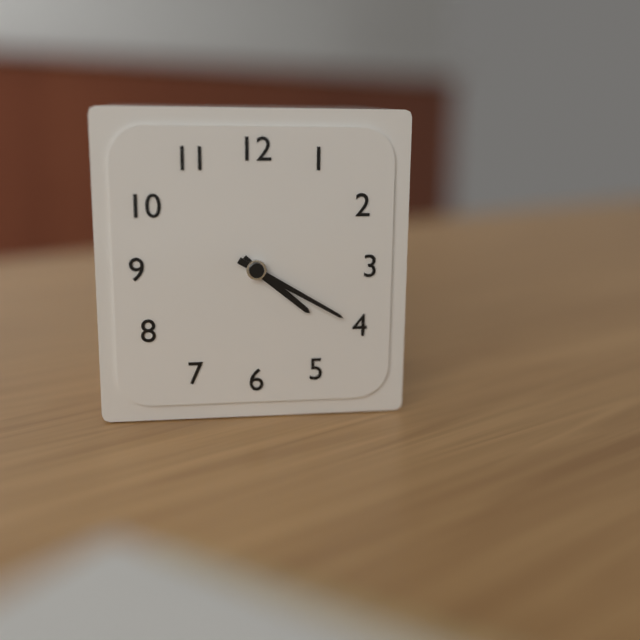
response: 4h20
